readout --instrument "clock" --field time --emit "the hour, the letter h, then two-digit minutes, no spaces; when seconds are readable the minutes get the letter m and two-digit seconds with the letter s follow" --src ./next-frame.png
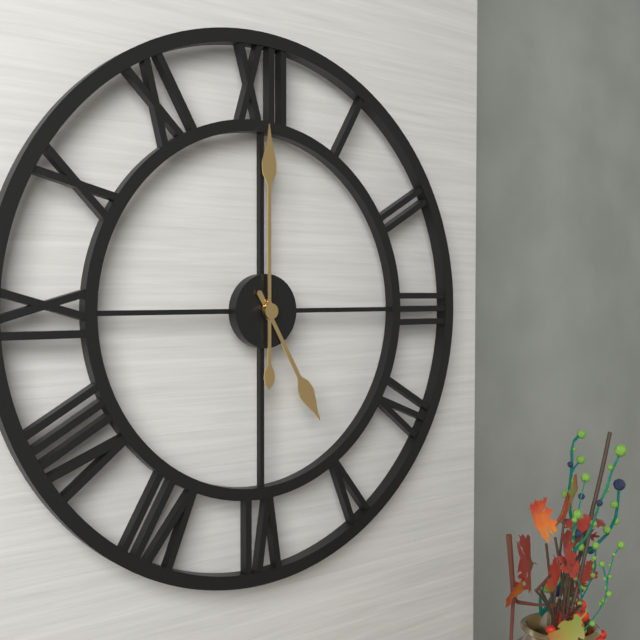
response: 5h00
